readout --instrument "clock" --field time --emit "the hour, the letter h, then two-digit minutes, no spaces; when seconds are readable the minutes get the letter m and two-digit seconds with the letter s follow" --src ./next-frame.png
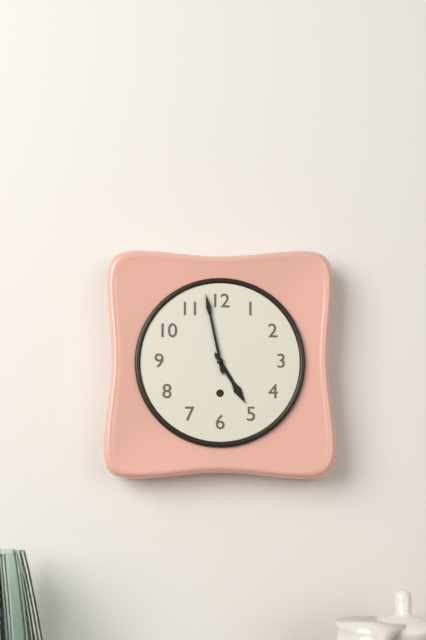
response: 4h58
